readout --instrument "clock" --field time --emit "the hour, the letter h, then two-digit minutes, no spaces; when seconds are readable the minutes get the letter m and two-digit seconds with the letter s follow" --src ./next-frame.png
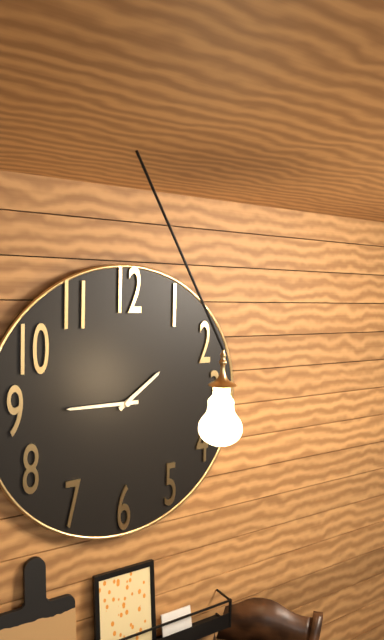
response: 1h45
